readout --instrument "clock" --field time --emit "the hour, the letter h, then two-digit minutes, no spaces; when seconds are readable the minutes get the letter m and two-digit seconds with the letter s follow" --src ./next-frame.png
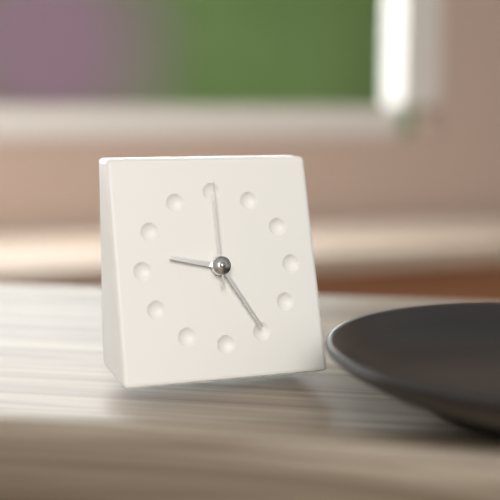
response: 9h25m00s
